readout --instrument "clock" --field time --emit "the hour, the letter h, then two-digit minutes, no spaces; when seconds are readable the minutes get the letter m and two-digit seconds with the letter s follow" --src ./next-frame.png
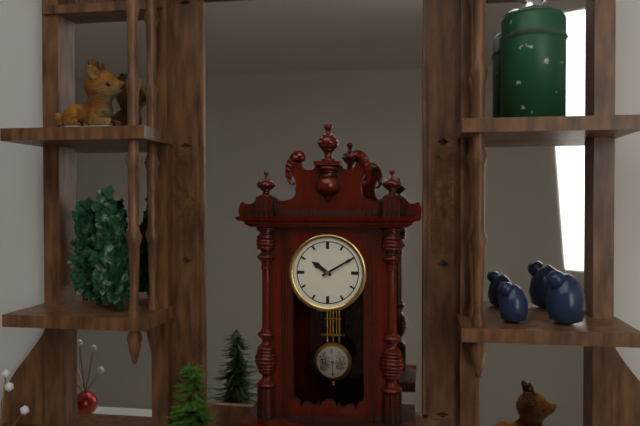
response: 10h10
